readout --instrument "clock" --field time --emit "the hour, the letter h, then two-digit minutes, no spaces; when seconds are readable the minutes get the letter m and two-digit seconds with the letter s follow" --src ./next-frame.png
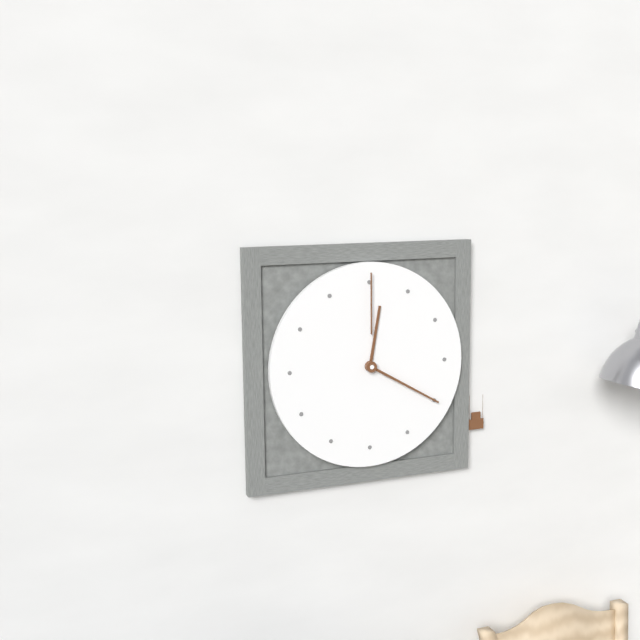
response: 12h20m00s
